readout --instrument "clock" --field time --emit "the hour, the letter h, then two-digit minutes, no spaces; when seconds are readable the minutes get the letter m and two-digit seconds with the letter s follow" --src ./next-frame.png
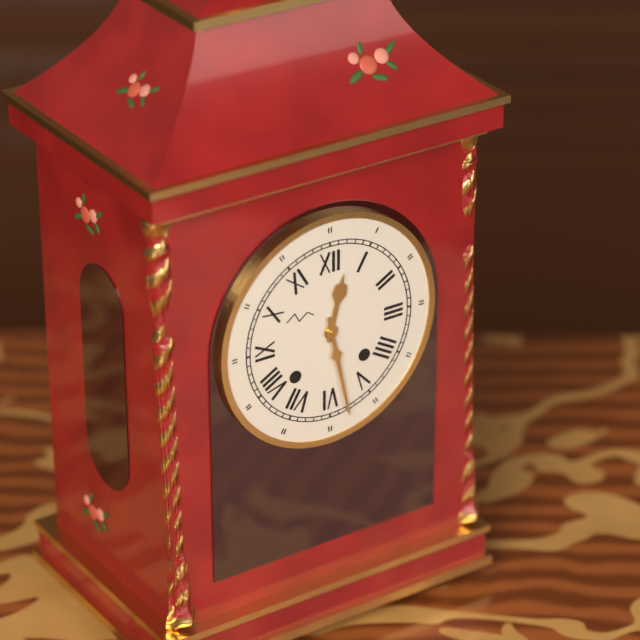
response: 12h28
